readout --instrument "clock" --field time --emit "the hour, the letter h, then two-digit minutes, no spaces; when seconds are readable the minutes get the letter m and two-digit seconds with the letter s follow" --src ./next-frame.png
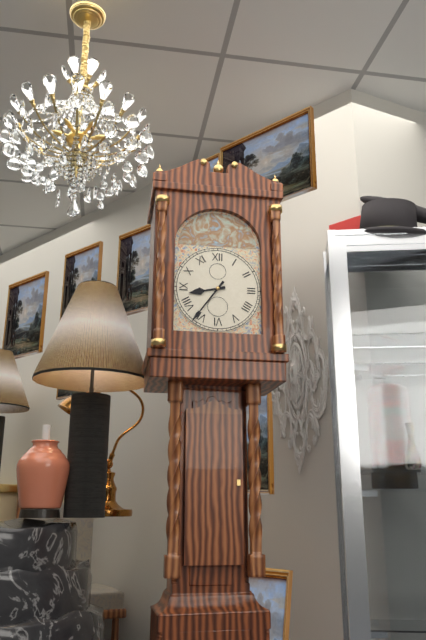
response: 8h36
